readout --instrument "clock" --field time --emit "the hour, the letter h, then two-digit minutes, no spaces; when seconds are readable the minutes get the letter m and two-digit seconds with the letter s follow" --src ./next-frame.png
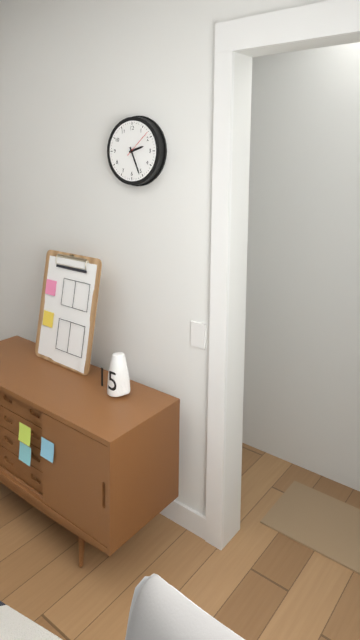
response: 2h26
